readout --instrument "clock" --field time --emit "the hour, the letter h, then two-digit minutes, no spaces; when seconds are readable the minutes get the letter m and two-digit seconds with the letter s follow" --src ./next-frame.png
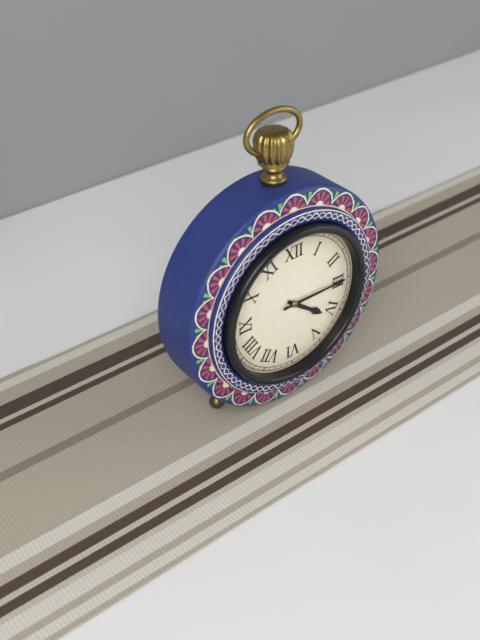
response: 4h15
